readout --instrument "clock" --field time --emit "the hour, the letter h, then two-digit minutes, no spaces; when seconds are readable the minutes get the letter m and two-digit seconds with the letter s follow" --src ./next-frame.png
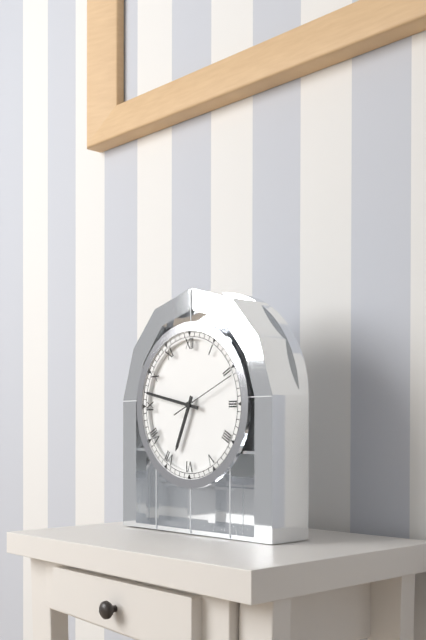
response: 6h47m11s
